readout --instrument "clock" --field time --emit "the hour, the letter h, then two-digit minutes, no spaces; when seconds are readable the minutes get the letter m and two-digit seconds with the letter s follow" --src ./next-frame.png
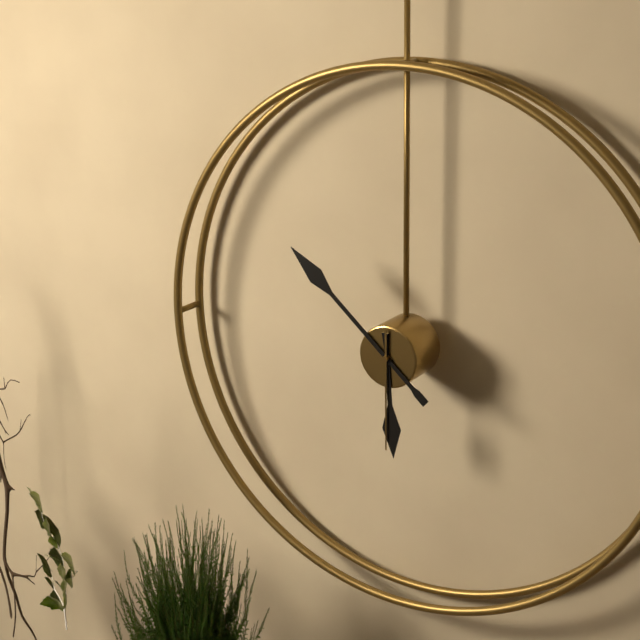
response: 5h52m30s
